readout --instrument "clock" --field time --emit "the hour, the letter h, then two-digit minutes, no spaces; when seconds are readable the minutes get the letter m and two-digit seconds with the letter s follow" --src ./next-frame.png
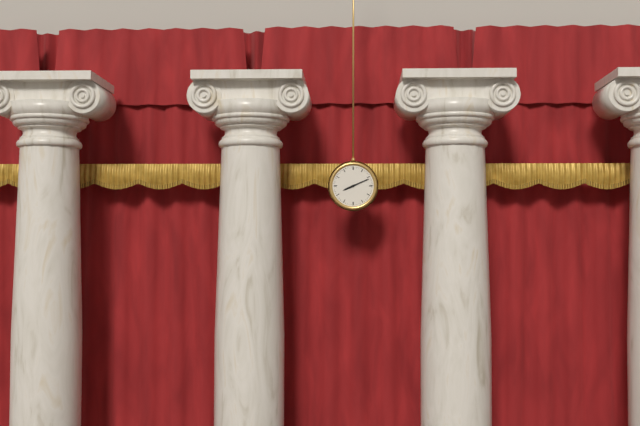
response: 8h11
